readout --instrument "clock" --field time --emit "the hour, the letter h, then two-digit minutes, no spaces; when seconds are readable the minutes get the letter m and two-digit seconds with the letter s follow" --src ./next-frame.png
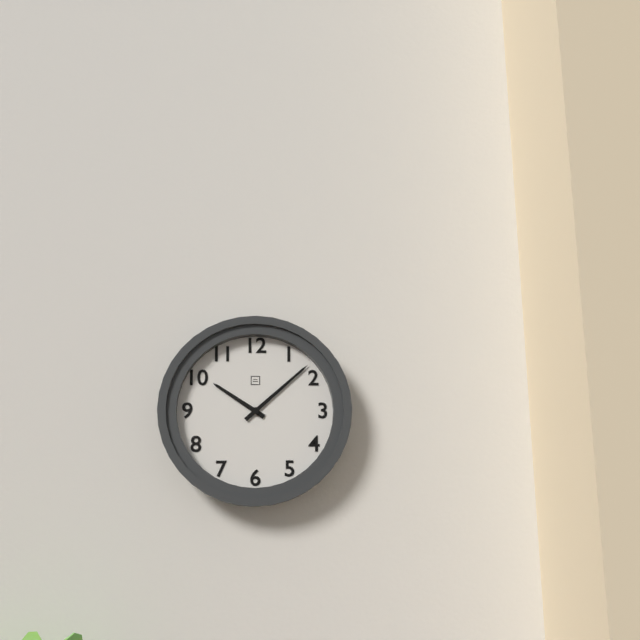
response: 10h08
